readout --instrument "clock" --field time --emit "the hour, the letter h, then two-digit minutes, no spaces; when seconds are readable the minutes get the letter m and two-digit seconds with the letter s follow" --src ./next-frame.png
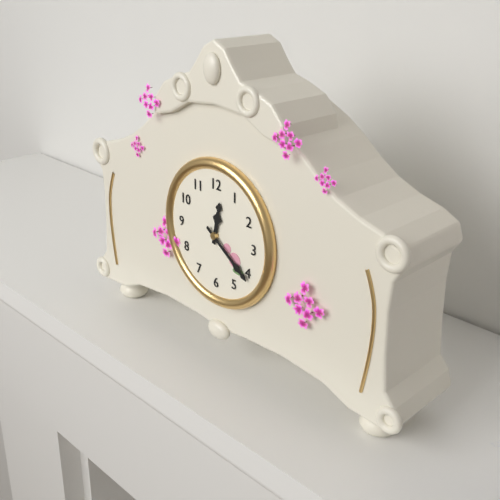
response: 12h21
